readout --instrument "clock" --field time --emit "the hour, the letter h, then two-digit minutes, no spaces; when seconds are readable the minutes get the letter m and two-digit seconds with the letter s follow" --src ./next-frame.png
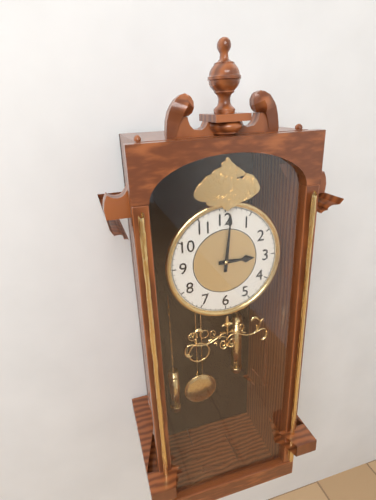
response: 3h01
